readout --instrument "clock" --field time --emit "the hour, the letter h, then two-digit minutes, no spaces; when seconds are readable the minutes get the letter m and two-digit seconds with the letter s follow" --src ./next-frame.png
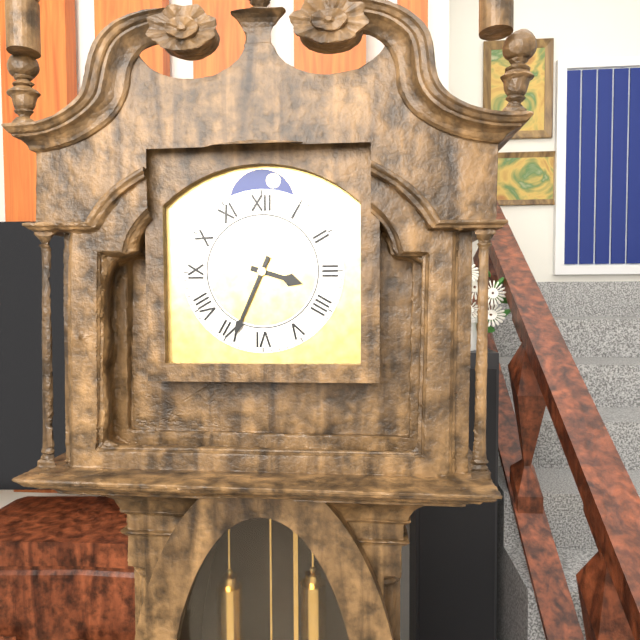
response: 3h34
